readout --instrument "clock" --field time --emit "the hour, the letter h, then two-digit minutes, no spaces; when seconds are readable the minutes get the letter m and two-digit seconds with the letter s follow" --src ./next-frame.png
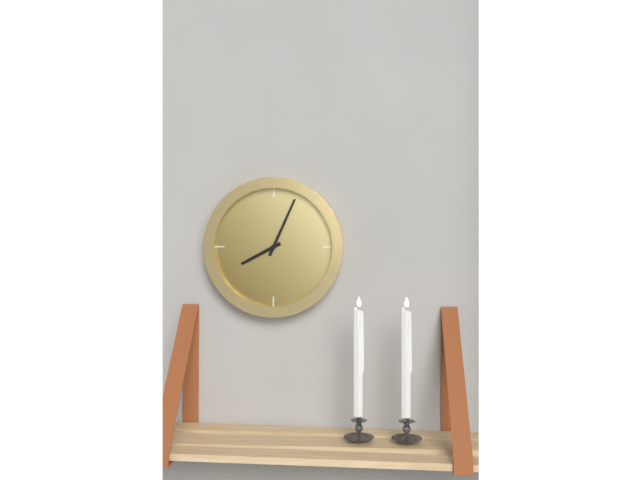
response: 8h04
